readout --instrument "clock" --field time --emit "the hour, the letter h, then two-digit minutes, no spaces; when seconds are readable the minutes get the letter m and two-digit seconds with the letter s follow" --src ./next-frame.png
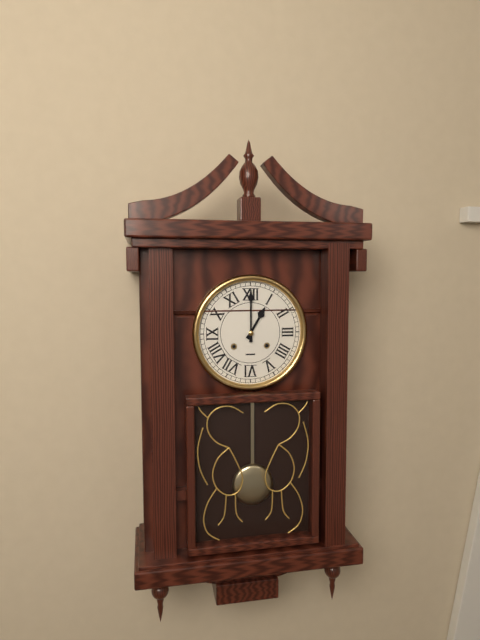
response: 1h00
